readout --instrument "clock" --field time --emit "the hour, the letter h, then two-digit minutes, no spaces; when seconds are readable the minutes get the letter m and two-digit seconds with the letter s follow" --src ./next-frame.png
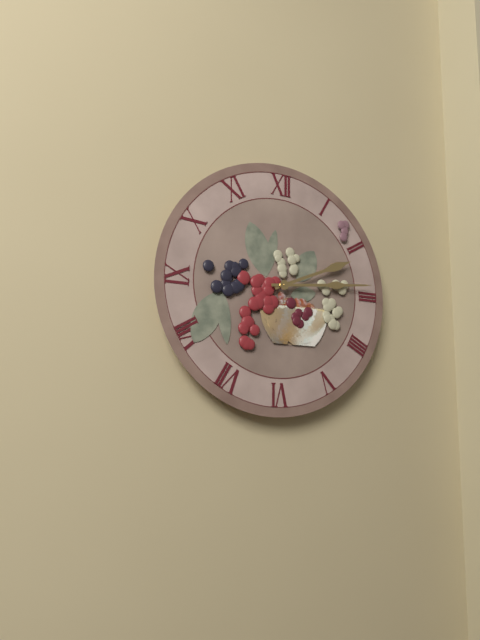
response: 2h14
